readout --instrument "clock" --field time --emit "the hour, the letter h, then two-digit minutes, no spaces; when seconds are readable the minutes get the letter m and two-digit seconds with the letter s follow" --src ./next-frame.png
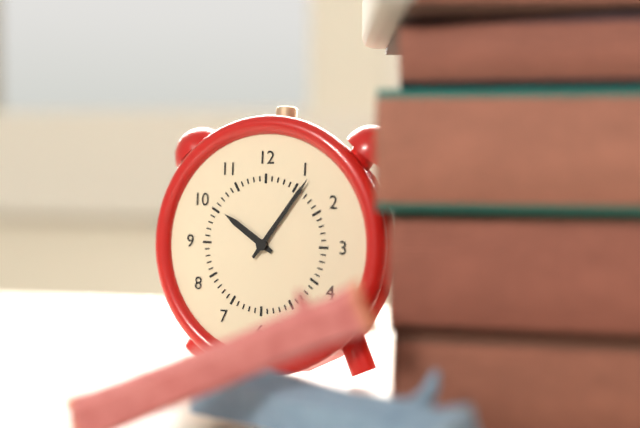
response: 10h06
